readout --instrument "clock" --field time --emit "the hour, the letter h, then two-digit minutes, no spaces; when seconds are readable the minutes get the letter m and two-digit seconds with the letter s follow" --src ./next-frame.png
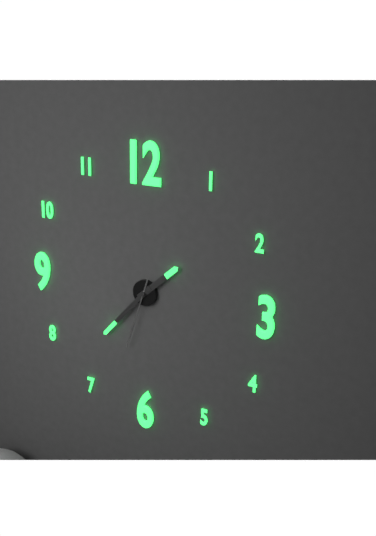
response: 1h37m33s
